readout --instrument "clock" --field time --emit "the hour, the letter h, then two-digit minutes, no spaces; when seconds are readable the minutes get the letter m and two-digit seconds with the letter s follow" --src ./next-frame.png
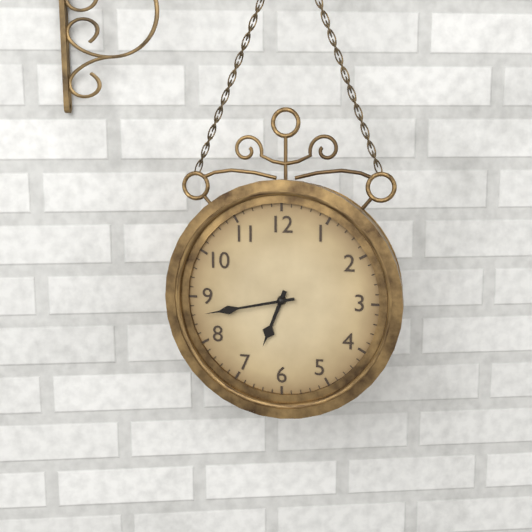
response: 6h43
